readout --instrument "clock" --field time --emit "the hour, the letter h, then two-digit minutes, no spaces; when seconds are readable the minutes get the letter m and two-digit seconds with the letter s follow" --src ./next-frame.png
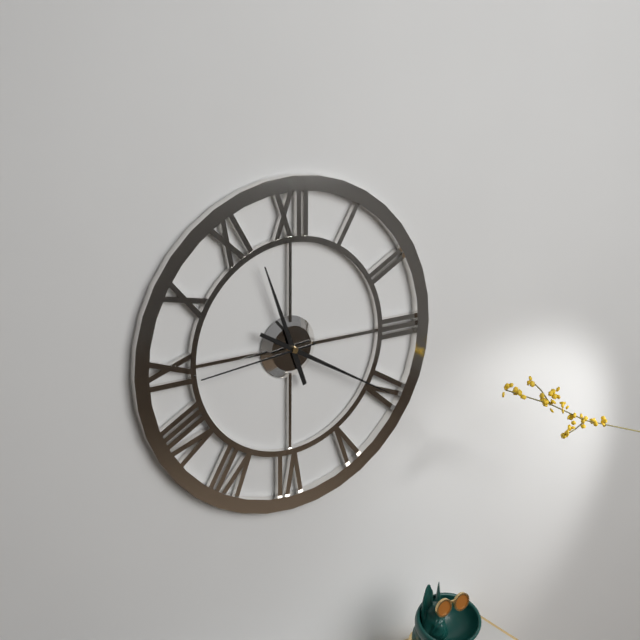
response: 11h20m44s
